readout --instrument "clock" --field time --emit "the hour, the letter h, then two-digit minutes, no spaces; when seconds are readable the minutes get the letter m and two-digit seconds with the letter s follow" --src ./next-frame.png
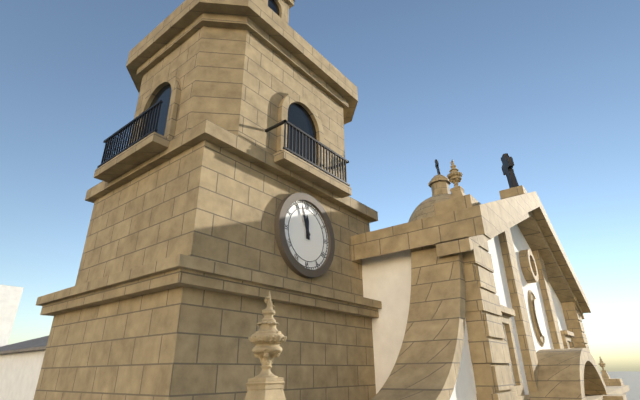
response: 11h57
